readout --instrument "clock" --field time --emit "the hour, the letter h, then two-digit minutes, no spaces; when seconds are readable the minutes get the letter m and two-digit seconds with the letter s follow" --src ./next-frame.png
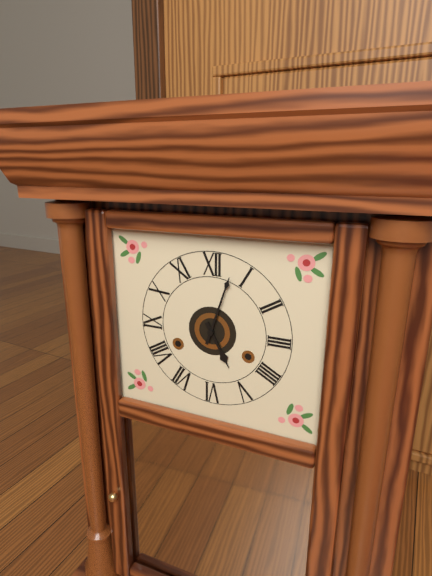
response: 5h03
